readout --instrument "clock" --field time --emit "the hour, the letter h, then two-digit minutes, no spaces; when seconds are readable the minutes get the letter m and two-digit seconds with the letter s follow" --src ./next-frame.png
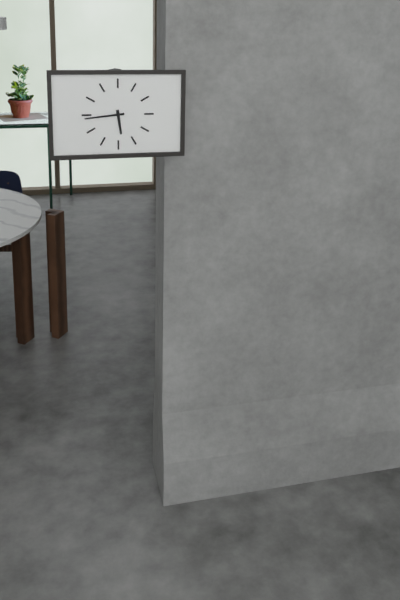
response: 5h44
